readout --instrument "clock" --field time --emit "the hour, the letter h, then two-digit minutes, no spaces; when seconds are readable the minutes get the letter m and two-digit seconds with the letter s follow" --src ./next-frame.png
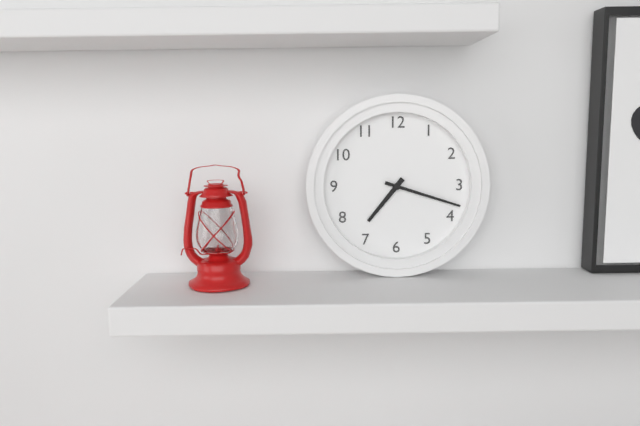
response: 7h18
